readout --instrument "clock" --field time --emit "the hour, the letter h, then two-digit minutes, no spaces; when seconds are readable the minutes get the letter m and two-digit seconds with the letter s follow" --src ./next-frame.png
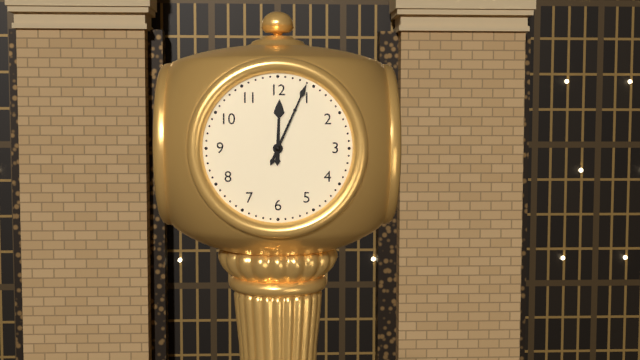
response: 12h04
